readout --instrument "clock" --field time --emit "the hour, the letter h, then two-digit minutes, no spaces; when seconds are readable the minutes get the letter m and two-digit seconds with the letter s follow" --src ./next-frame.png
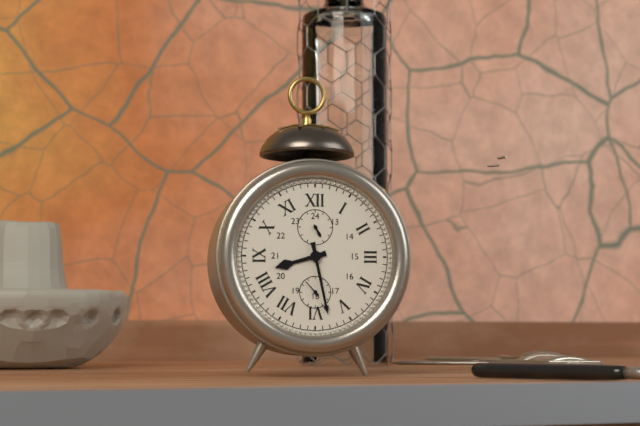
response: 8h28
